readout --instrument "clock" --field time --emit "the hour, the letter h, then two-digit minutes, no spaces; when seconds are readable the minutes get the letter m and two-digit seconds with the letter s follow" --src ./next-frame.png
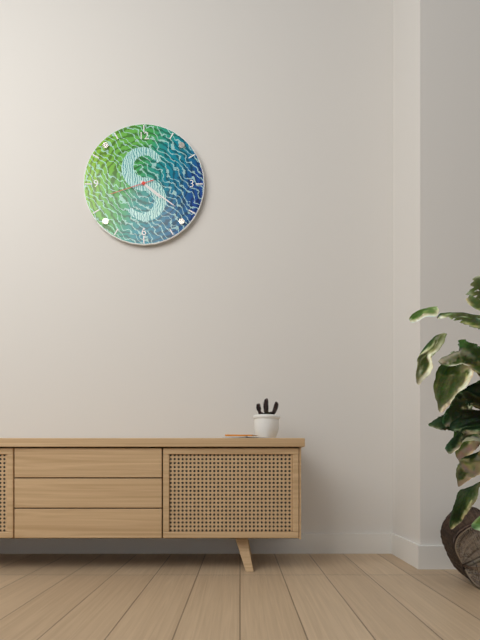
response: 4h21
